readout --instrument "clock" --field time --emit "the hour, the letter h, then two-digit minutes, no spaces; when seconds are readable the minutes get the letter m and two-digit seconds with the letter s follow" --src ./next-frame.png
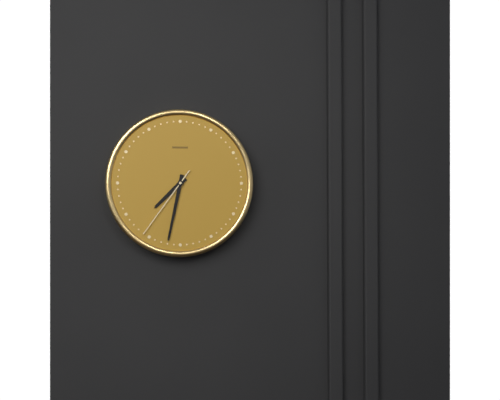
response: 7h32m36s
